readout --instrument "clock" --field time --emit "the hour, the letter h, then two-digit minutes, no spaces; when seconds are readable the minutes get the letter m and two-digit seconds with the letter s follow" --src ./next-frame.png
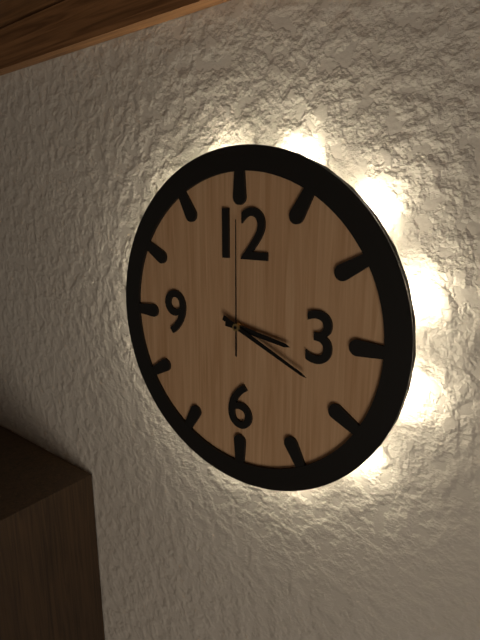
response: 3h19m00s
